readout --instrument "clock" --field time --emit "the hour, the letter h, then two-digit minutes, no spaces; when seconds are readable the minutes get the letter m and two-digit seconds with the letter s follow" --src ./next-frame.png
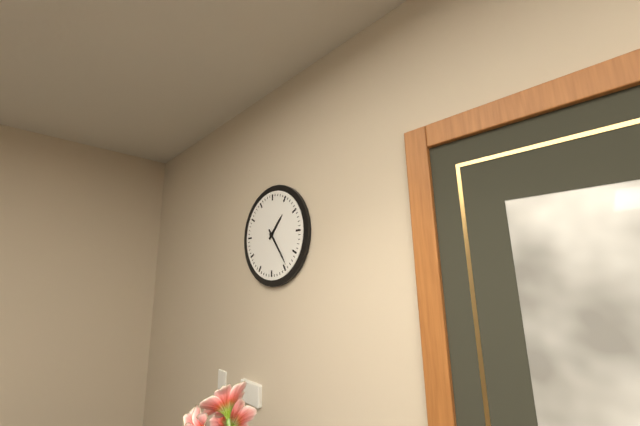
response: 1h24
